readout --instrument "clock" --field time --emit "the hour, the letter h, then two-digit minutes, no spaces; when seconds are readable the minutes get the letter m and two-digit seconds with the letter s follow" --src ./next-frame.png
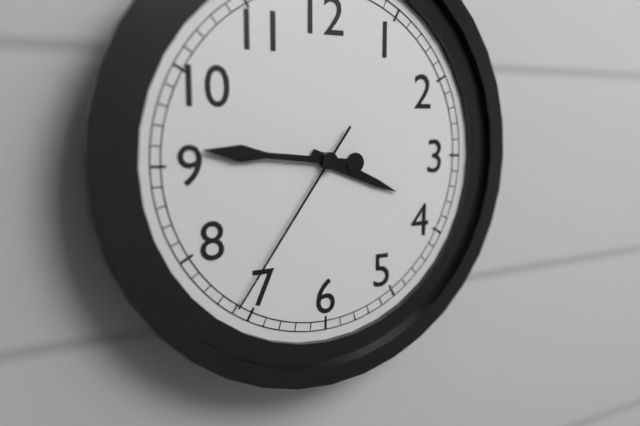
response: 3h46m36s
